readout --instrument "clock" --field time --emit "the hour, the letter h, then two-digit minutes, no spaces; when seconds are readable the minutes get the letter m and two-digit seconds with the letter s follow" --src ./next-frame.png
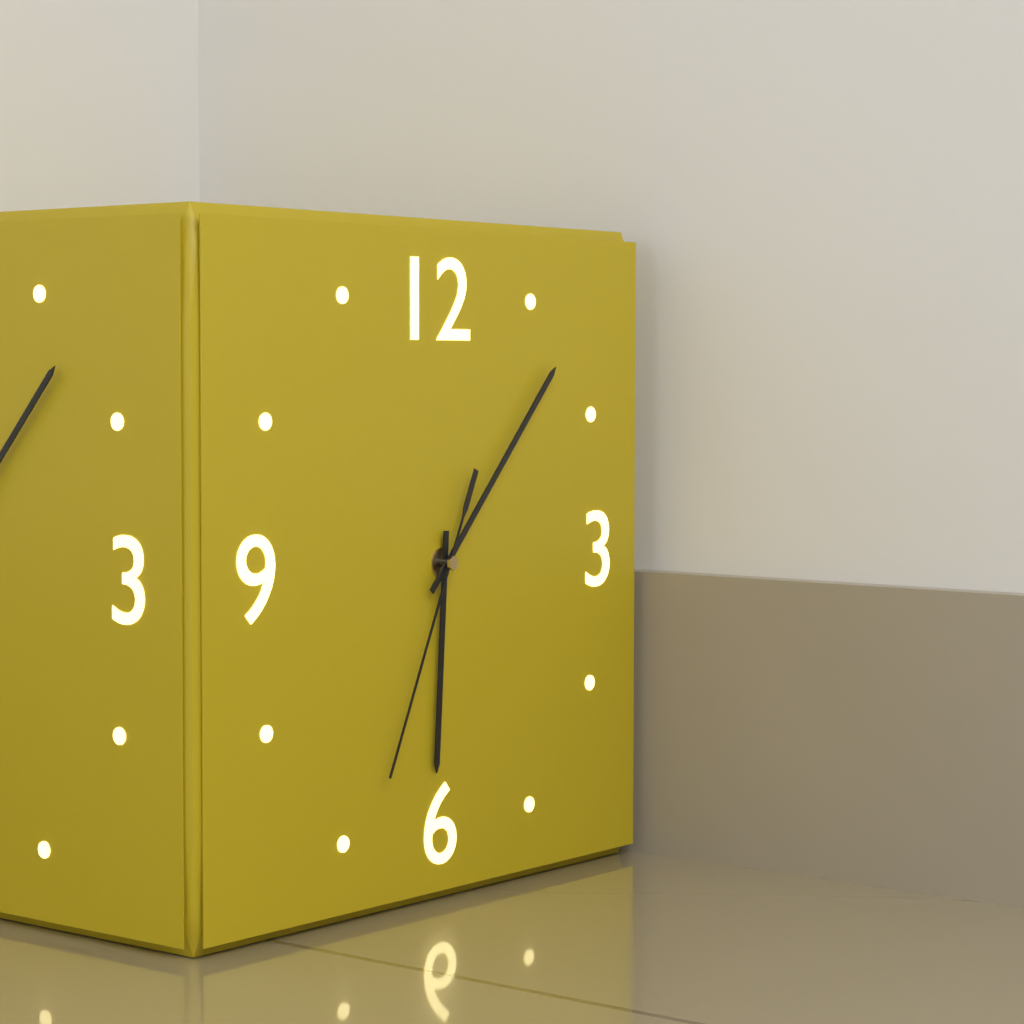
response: 6h07m34s
